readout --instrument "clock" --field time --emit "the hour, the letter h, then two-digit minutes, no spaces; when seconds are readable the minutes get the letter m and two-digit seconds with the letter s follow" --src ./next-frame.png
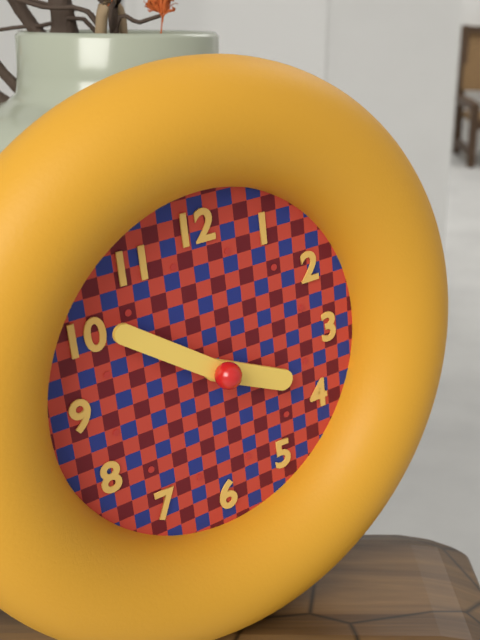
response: 3h51
